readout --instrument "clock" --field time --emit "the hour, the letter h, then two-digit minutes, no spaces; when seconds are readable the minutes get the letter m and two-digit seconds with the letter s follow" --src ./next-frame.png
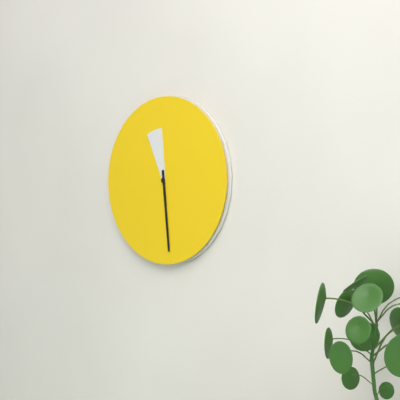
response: 11h29
